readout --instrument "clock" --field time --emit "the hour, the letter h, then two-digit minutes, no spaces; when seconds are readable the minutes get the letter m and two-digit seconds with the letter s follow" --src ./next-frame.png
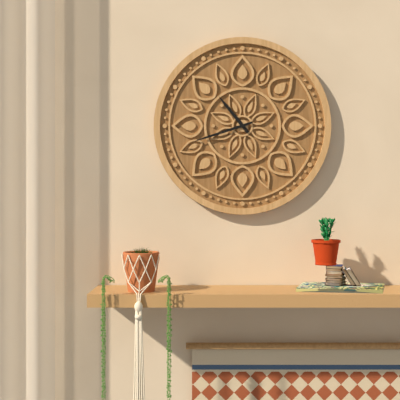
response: 10h42
